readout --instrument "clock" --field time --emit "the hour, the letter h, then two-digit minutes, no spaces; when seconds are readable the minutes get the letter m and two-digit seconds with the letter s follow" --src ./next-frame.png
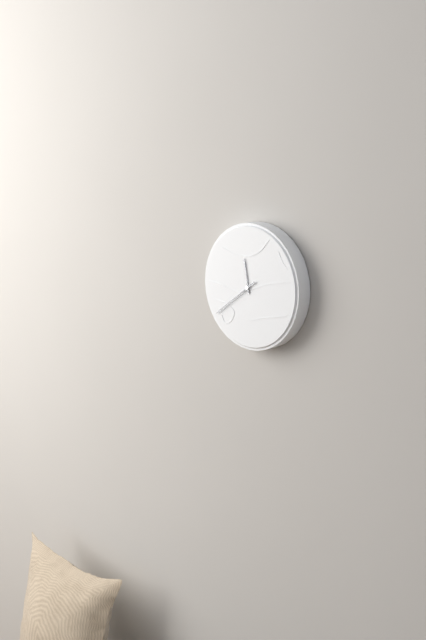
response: 11h39
